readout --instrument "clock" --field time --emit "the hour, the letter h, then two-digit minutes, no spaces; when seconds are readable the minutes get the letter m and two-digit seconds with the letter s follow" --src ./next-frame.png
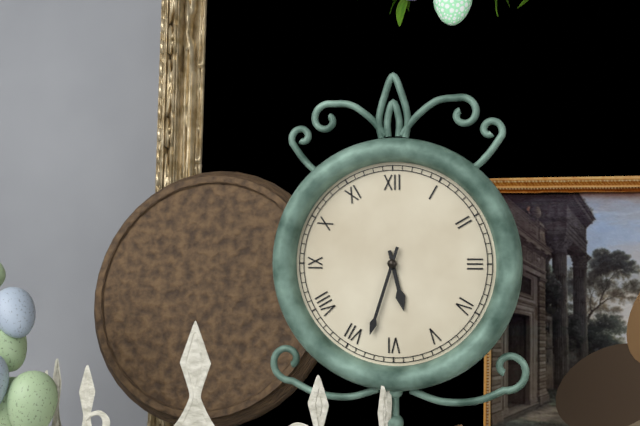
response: 5h33
